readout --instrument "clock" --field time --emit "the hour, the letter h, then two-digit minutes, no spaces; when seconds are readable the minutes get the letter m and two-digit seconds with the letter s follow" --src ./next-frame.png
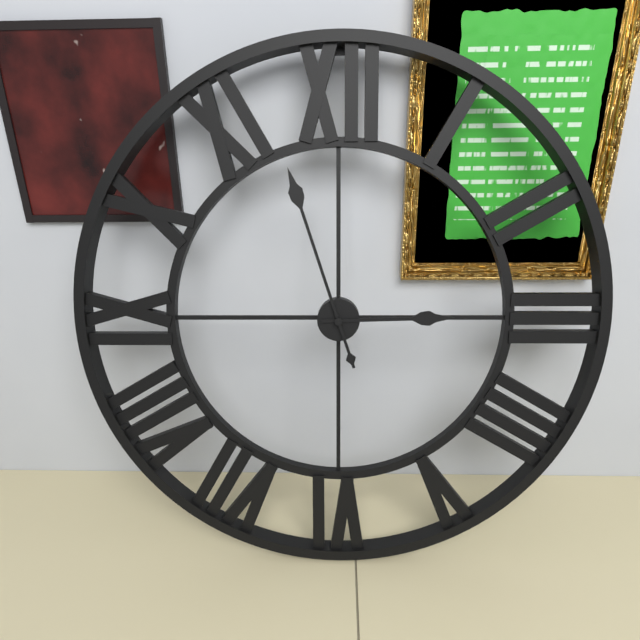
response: 2h57
